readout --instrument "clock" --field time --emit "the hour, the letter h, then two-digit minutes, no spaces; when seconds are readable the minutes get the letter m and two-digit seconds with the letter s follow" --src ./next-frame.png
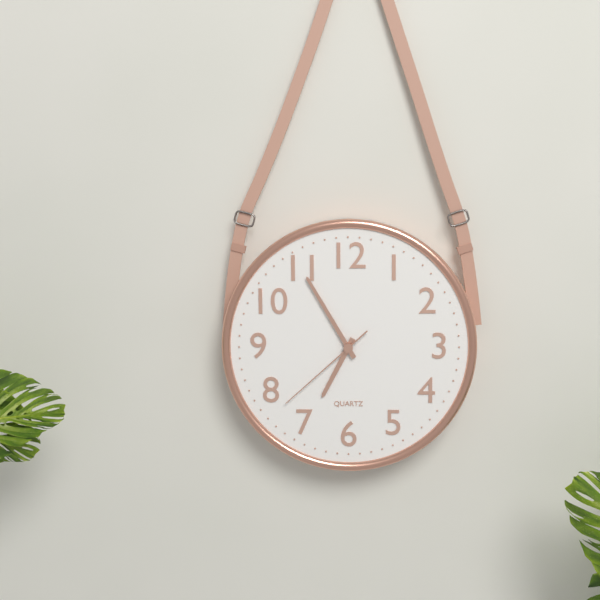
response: 6h55m38s
